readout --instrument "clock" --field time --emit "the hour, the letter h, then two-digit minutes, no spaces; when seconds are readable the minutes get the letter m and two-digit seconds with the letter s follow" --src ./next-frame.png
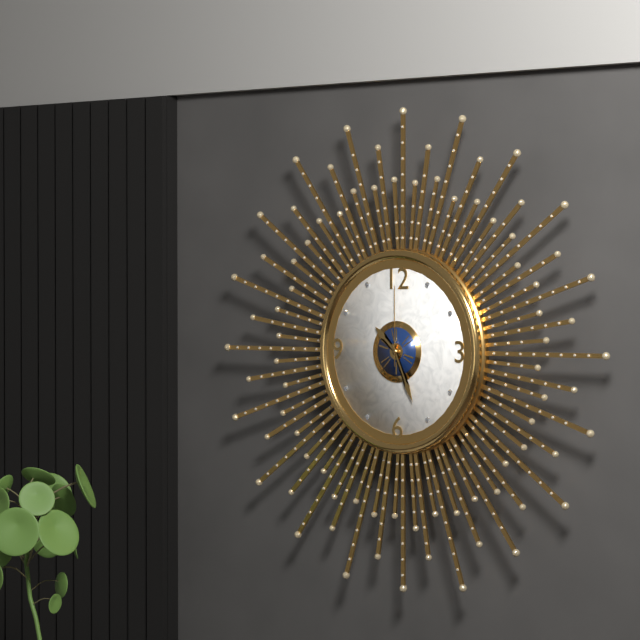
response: 10h26m00s
